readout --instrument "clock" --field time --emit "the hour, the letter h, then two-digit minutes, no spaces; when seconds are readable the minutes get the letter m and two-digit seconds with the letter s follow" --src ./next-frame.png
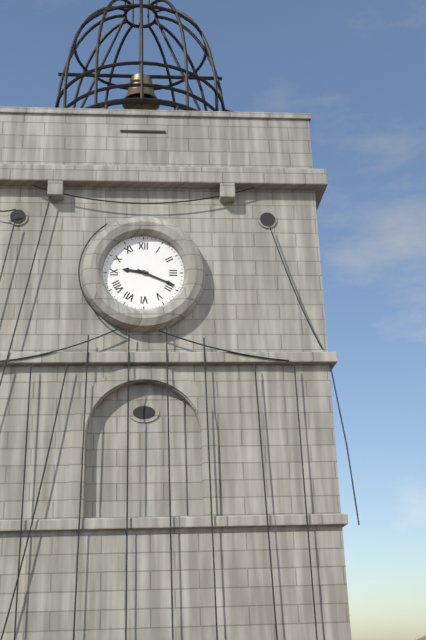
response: 9h19
